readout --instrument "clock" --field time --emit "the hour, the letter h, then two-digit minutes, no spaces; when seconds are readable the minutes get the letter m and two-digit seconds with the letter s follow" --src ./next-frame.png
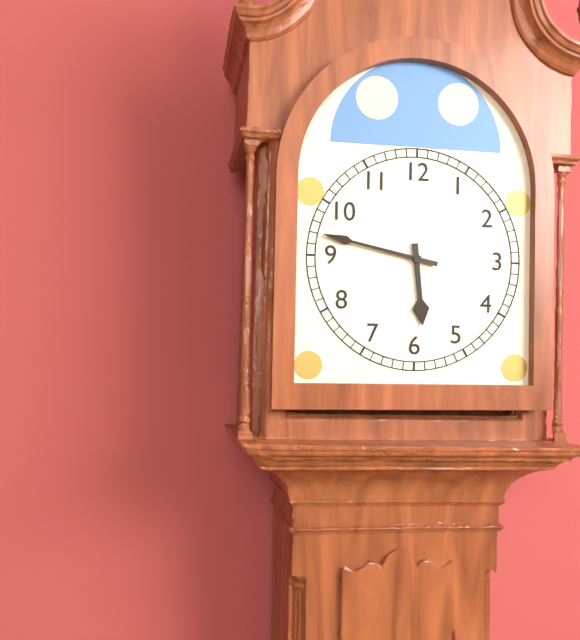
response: 5h47
